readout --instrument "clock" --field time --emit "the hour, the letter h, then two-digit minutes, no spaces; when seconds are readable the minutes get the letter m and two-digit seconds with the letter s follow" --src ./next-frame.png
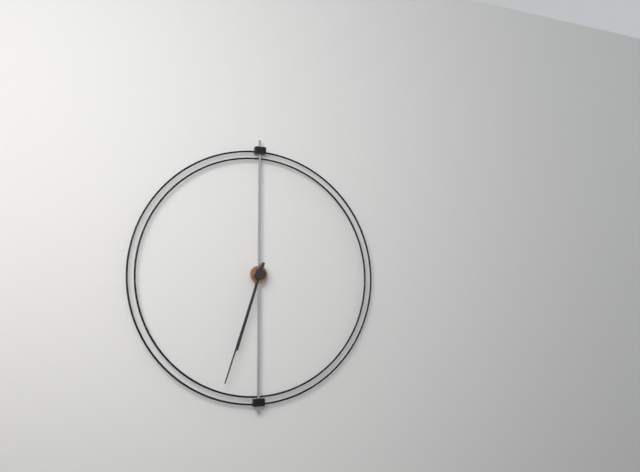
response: 6h33
